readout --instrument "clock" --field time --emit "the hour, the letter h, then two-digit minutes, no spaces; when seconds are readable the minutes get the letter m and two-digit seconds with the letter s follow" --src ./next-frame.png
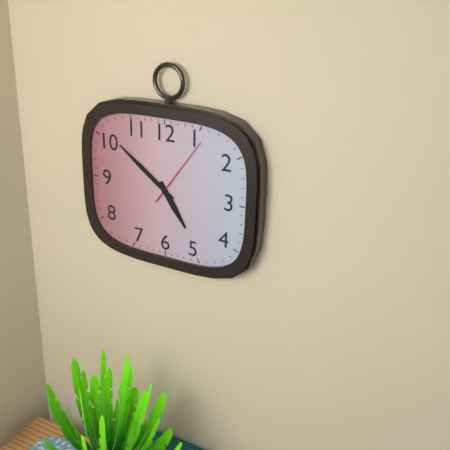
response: 4h51m06s
